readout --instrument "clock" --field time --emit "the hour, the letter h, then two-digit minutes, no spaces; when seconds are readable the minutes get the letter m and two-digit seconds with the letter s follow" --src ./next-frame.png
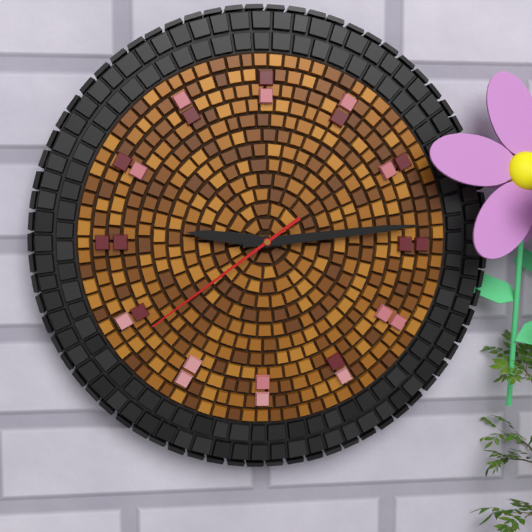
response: 9h14m39s
